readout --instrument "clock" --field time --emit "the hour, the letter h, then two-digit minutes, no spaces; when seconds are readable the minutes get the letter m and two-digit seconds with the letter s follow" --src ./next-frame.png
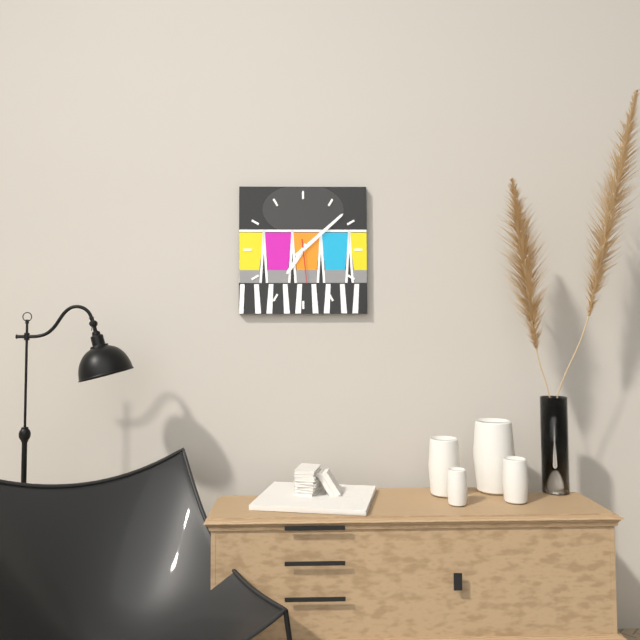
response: 7h08
